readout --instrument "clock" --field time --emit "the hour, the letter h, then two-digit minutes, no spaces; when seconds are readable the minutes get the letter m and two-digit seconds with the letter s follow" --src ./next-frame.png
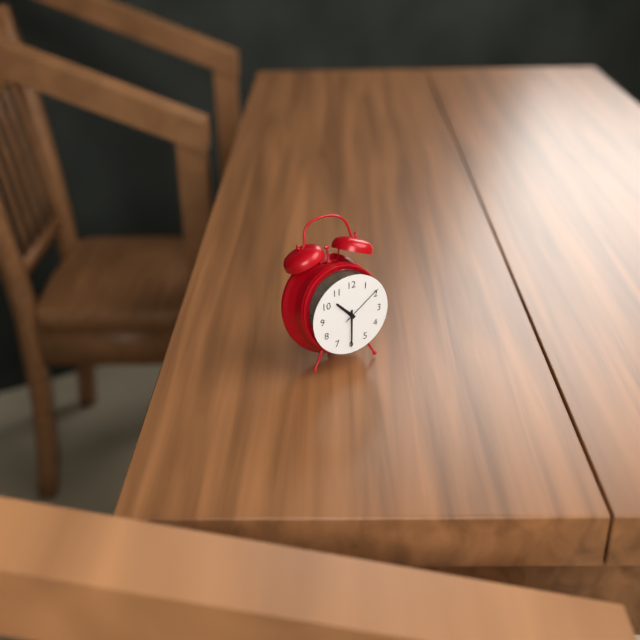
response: 10h30
